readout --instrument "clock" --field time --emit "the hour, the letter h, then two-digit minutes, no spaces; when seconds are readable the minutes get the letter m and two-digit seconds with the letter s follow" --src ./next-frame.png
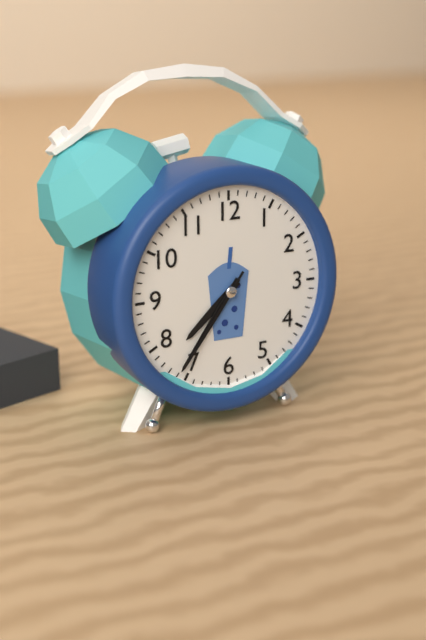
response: 7h36m36s
